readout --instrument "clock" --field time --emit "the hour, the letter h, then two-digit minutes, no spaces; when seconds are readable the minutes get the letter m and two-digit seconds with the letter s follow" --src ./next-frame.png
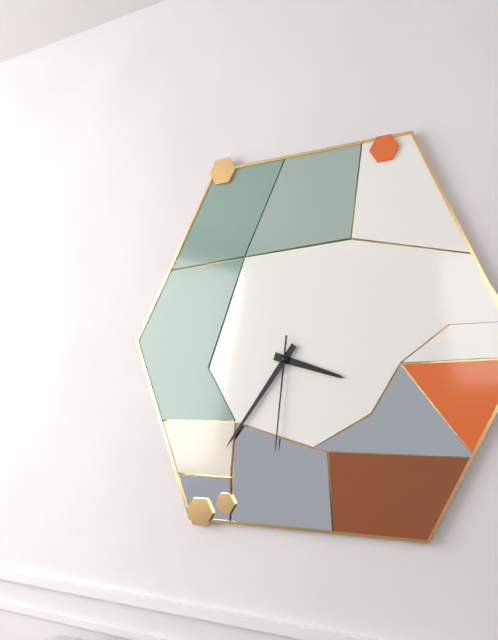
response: 3h36m31s
